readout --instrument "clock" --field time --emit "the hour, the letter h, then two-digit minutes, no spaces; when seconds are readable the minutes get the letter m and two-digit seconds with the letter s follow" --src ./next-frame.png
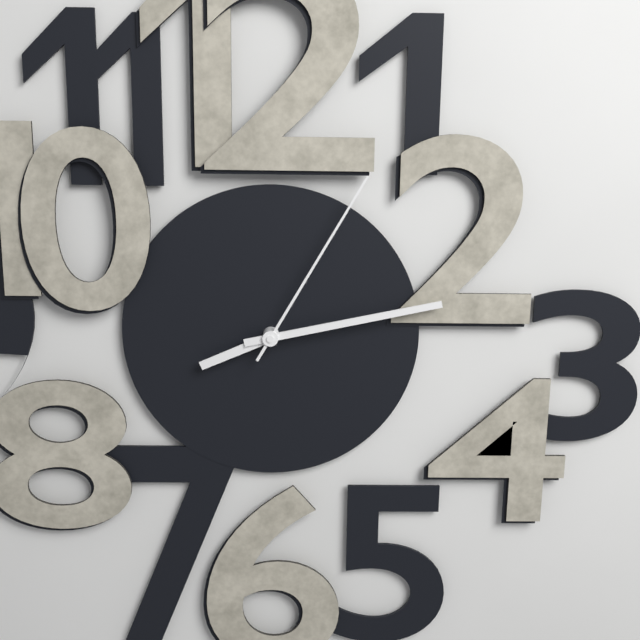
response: 8h13m05s
